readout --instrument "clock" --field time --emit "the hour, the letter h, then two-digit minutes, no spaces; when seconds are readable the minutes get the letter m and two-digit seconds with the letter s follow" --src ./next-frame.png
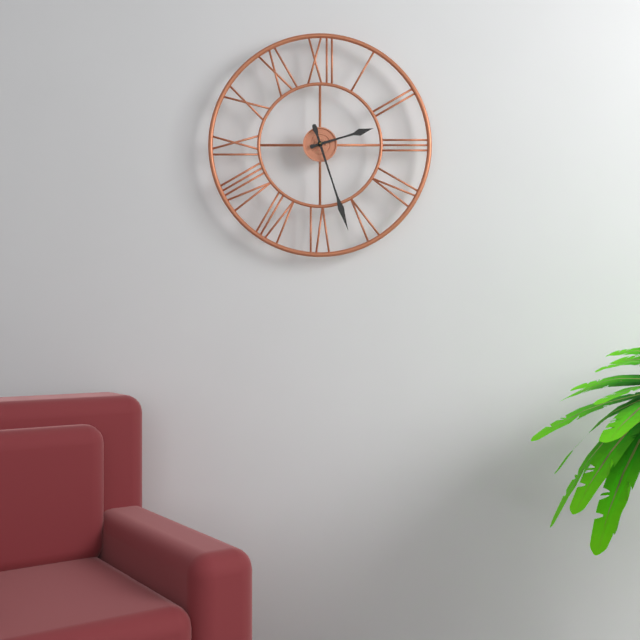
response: 2h27
